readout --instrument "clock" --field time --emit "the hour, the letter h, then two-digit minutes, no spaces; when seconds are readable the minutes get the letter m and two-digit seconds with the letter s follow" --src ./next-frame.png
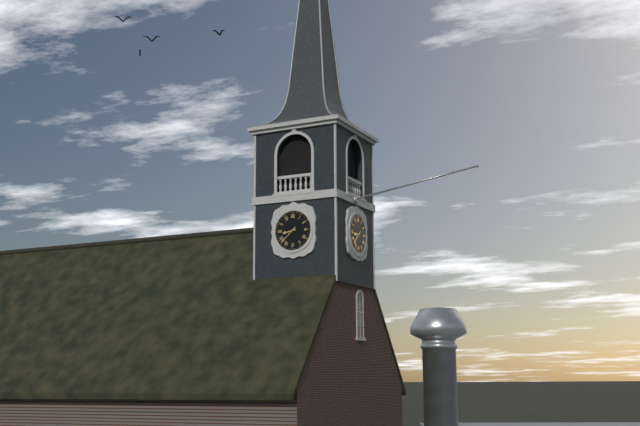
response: 8h38
